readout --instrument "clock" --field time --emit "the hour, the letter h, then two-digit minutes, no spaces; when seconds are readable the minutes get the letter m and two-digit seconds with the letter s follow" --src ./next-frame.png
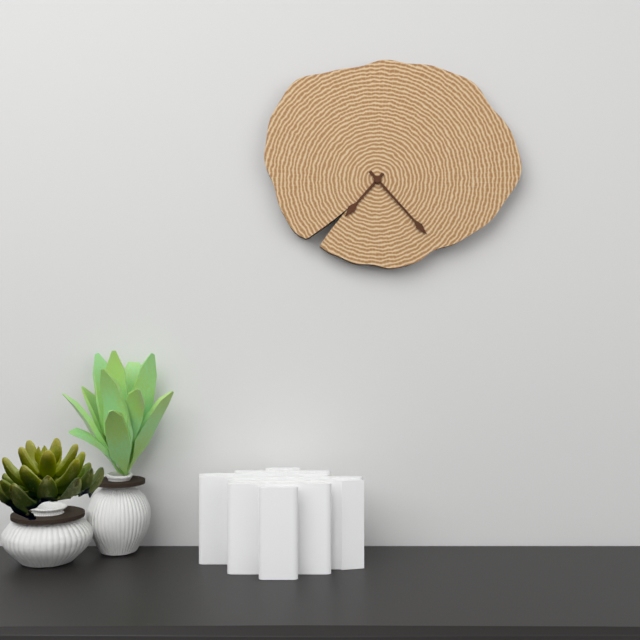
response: 7h23
